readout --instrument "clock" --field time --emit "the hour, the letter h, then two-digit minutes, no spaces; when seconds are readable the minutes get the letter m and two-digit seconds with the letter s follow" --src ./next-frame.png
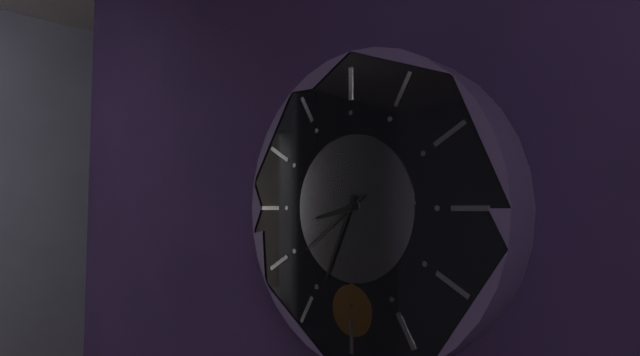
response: 8h34m39s
